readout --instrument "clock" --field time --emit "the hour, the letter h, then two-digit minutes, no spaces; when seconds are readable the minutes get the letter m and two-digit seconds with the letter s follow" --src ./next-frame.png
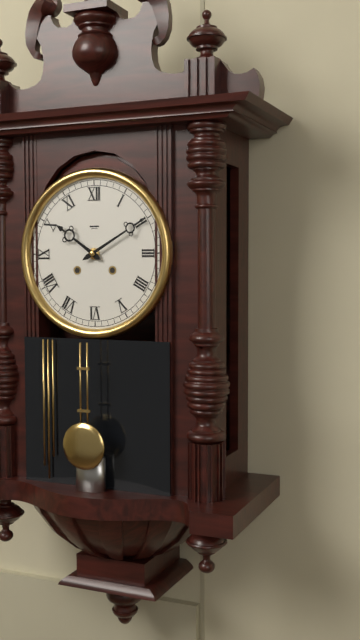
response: 10h10
